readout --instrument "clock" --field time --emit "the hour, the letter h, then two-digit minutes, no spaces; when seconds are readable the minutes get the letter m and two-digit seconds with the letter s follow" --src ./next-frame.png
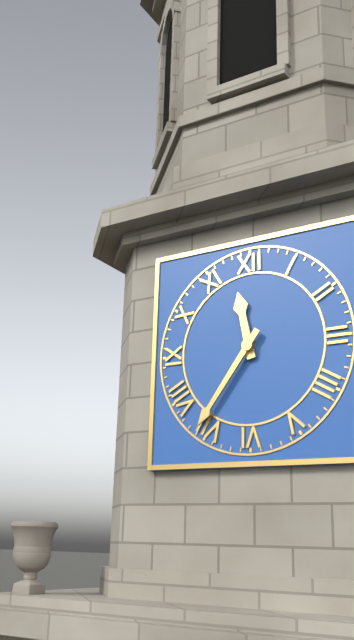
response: 11h36
